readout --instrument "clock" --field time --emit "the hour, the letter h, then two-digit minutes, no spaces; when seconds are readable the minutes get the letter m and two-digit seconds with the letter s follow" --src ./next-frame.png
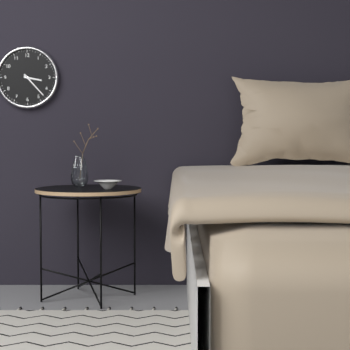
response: 3h23
